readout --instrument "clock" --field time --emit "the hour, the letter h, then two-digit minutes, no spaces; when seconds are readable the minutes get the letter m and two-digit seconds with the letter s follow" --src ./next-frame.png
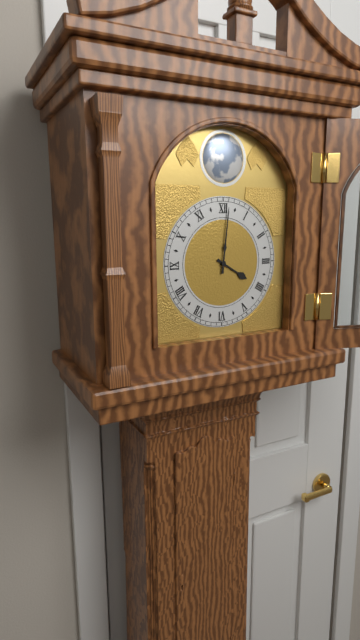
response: 4h01
